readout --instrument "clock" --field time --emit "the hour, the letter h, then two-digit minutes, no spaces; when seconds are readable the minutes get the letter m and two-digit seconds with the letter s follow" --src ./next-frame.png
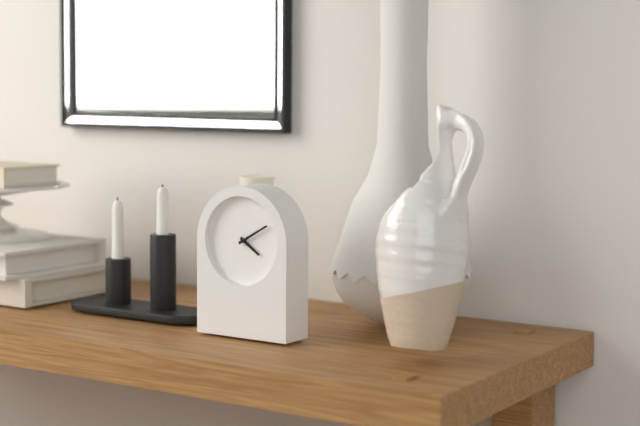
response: 4h10
